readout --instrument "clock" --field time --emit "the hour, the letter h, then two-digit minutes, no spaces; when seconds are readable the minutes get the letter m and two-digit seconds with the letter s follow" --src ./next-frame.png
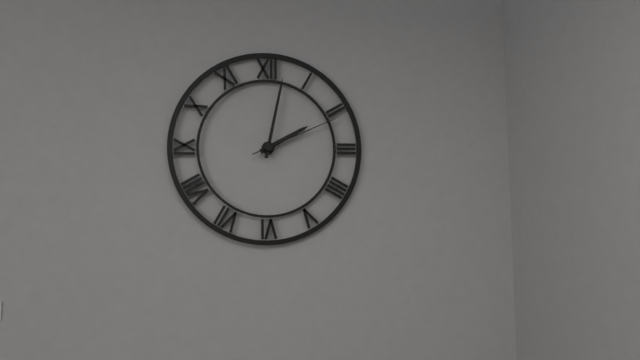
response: 2h02m11s
